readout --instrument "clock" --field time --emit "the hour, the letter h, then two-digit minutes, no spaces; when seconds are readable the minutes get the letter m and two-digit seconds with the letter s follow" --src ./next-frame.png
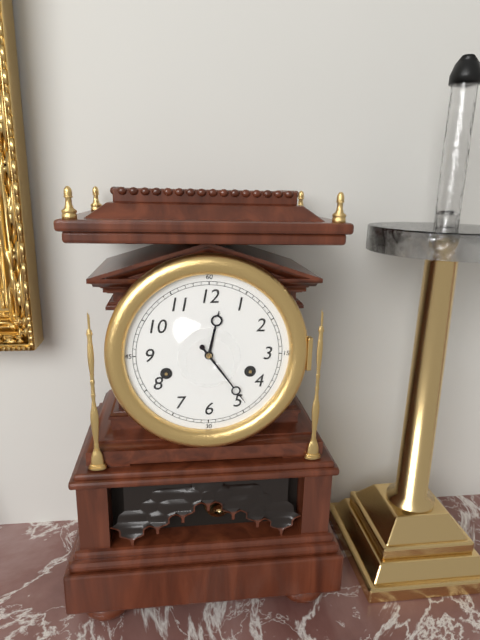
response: 12h24
